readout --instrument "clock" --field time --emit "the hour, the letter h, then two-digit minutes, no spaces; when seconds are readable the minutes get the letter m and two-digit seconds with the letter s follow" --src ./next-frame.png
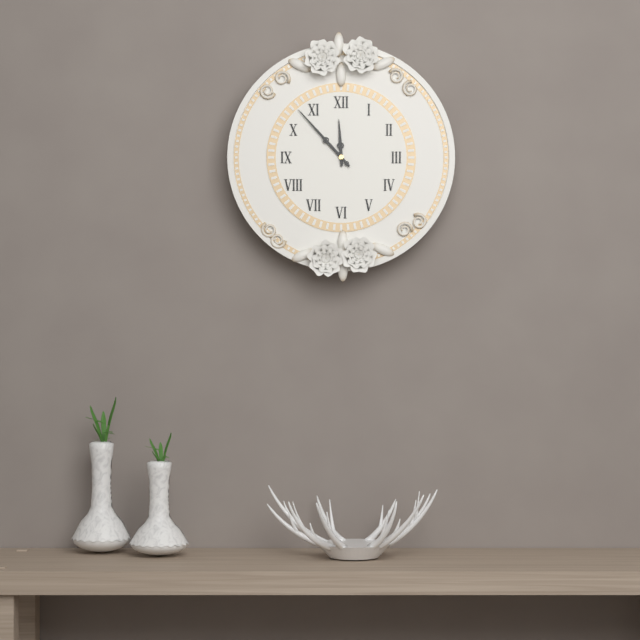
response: 11h53
